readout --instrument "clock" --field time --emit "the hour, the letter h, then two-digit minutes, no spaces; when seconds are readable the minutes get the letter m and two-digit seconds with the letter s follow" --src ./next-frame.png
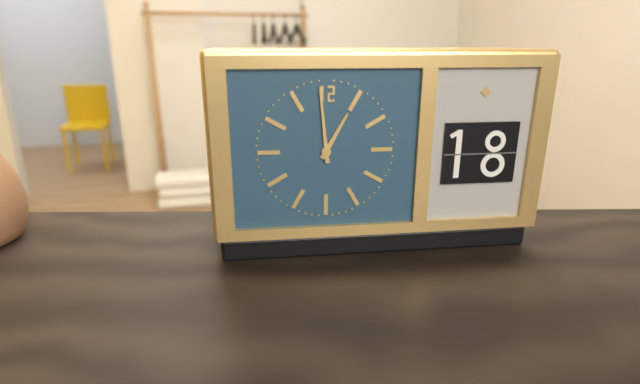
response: 12h59
